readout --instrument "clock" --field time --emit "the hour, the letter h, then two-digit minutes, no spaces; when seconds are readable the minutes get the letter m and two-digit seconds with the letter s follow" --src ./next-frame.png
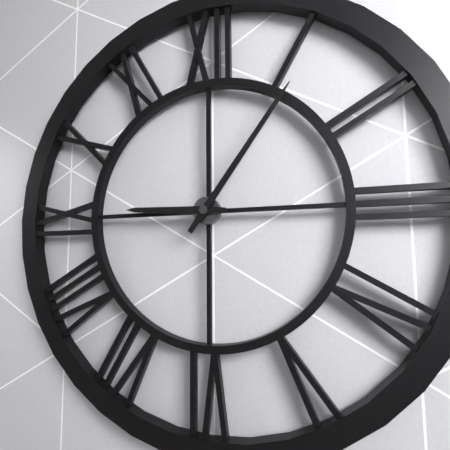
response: 9h06
